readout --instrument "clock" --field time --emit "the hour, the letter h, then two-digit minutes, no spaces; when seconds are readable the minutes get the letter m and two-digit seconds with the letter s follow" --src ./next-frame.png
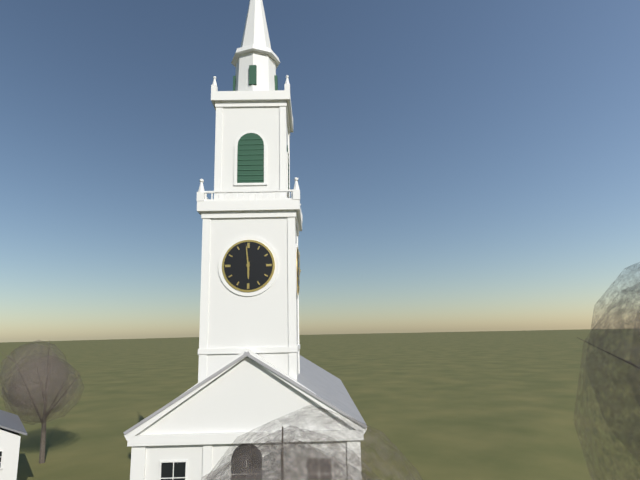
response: 5h59
